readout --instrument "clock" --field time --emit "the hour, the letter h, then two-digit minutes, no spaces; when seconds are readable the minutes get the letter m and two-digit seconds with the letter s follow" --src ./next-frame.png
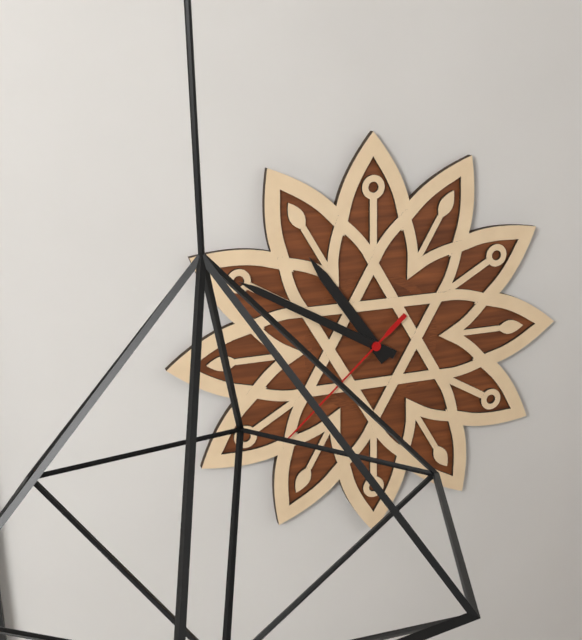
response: 10h50m38s
